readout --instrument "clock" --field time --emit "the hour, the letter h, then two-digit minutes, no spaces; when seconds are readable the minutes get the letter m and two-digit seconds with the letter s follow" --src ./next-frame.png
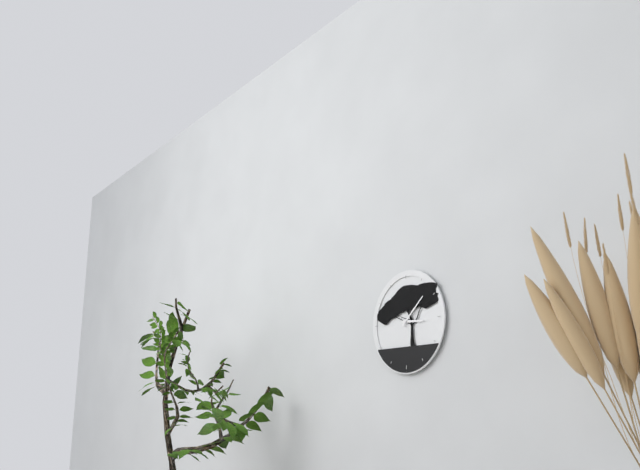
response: 3h08
